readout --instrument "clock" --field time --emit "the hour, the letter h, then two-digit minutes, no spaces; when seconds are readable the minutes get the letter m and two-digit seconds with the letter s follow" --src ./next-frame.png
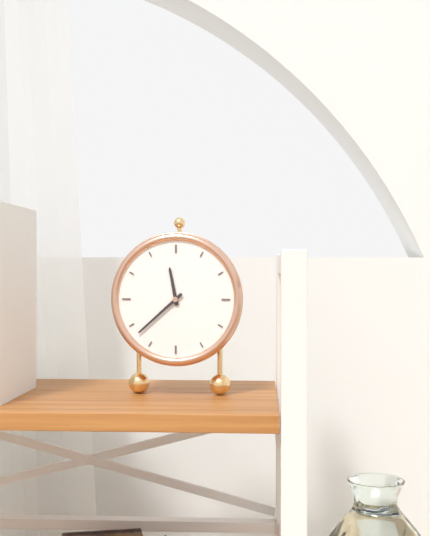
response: 11h38
